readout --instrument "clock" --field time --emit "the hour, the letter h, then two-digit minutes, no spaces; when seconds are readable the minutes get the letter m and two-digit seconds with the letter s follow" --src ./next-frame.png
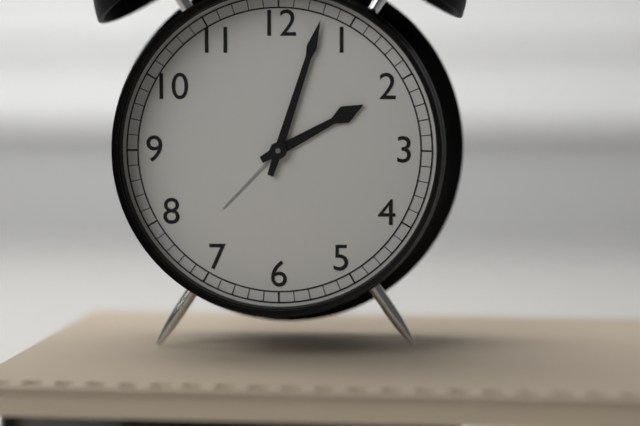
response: 2h03
